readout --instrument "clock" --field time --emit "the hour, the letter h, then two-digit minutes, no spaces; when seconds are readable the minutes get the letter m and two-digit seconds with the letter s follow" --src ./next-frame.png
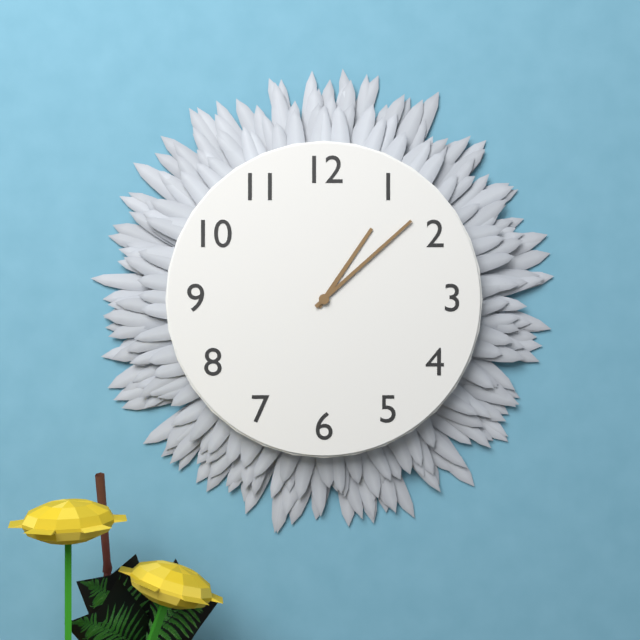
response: 1h08
